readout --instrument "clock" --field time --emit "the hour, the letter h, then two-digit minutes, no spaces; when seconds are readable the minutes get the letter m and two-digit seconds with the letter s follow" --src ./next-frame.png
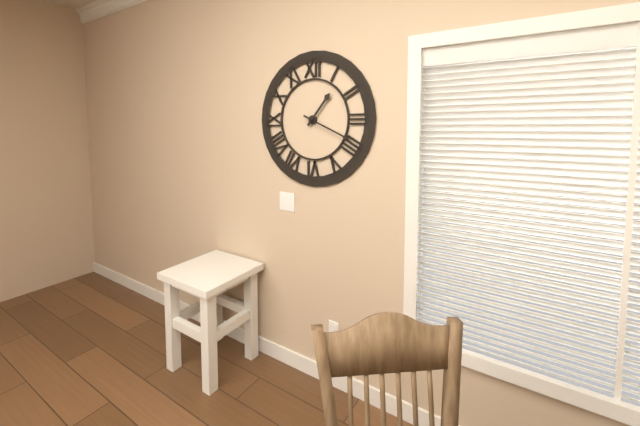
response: 1h19
